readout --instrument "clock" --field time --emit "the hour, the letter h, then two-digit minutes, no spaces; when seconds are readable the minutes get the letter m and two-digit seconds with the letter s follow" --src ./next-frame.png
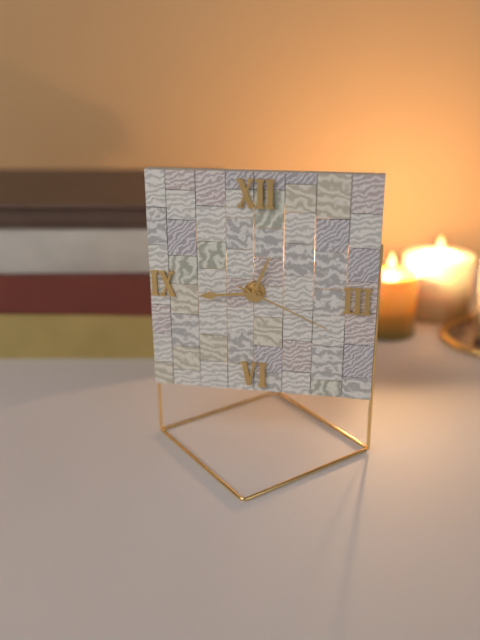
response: 12h44m19s
